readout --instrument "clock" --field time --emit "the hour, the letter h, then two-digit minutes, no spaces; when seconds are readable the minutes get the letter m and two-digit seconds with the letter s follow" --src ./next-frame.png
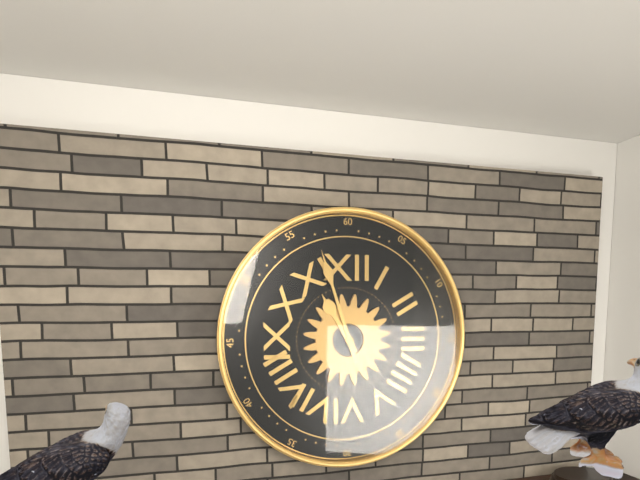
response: 10h57
